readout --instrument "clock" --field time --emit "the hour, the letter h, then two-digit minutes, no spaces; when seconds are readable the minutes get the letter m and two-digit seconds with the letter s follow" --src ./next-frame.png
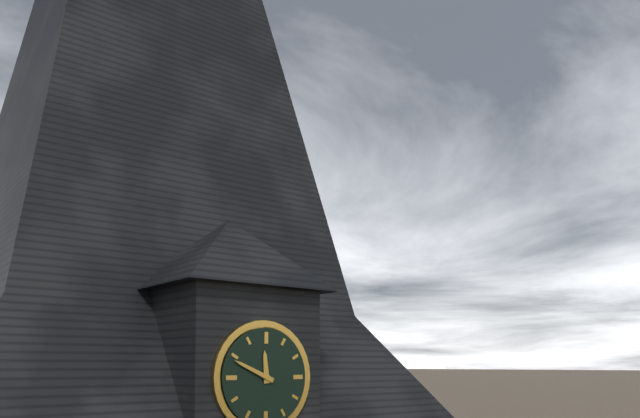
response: 11h49
